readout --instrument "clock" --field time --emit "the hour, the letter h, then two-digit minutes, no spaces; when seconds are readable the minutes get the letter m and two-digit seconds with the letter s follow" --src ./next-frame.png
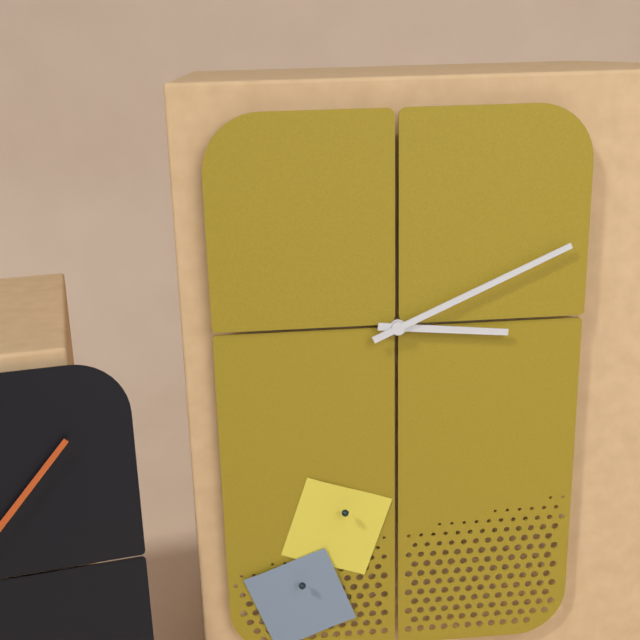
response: 3h11
